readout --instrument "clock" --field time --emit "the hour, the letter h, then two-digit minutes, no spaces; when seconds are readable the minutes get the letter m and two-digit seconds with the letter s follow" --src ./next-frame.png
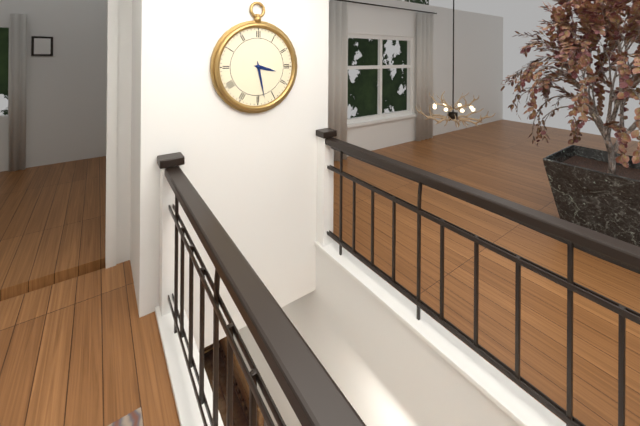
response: 3h28
